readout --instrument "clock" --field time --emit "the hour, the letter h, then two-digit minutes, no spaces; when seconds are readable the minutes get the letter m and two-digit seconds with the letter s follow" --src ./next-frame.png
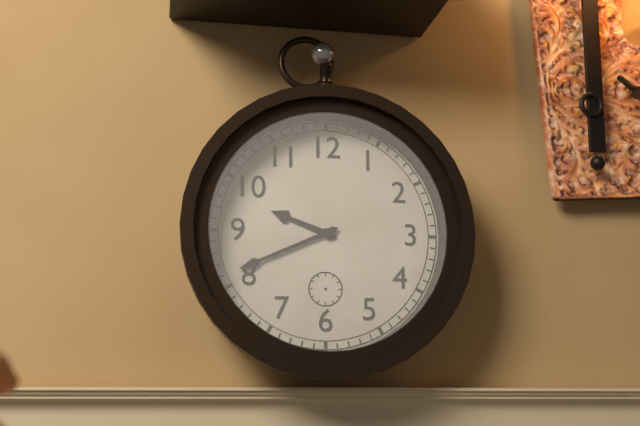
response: 9h41
